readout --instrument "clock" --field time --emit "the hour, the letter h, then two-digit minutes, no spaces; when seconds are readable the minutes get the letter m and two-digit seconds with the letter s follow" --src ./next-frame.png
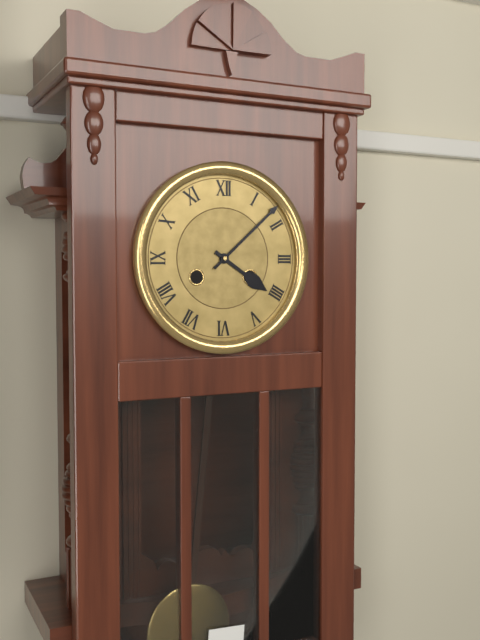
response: 4h08
